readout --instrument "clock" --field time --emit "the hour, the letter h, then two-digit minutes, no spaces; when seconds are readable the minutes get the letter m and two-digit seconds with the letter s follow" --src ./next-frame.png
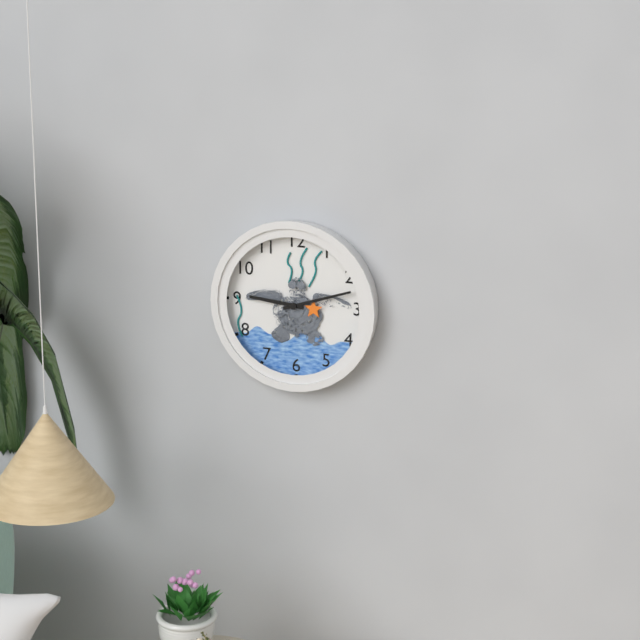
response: 9h12
